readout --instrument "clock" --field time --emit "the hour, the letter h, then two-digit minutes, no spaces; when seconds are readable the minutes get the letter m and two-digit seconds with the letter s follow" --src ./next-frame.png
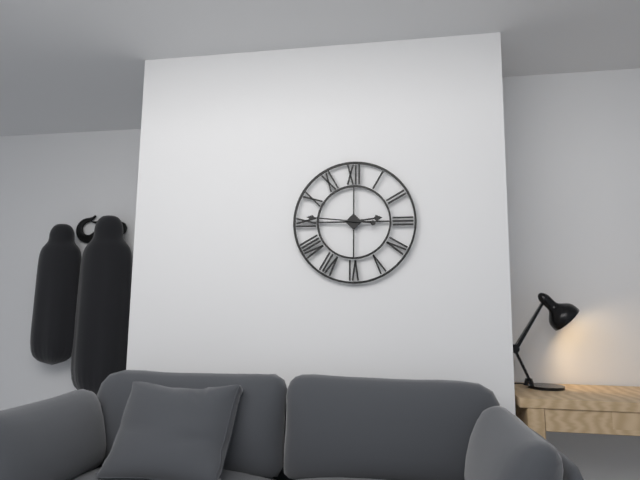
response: 2h46
